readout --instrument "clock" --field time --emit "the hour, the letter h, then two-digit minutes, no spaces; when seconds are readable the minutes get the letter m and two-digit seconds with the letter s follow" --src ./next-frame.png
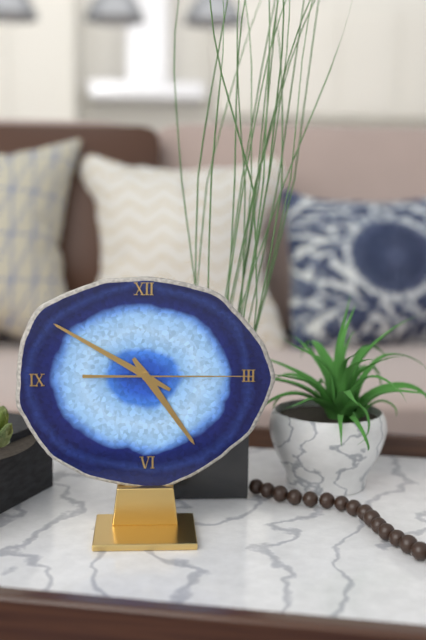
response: 4h50m15s
